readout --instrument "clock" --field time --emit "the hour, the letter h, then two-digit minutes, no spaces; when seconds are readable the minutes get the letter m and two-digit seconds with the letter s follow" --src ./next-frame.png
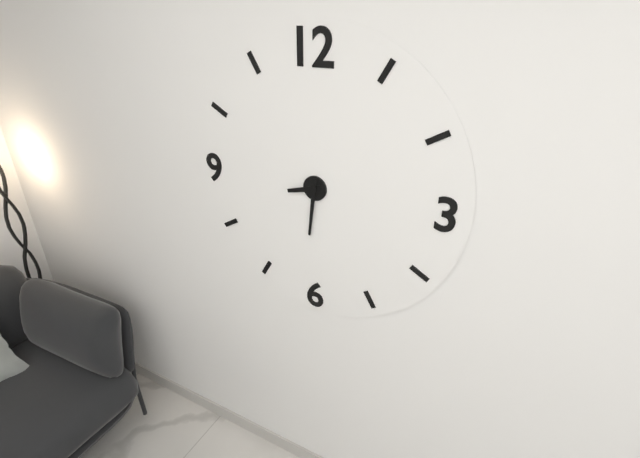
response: 8h31
